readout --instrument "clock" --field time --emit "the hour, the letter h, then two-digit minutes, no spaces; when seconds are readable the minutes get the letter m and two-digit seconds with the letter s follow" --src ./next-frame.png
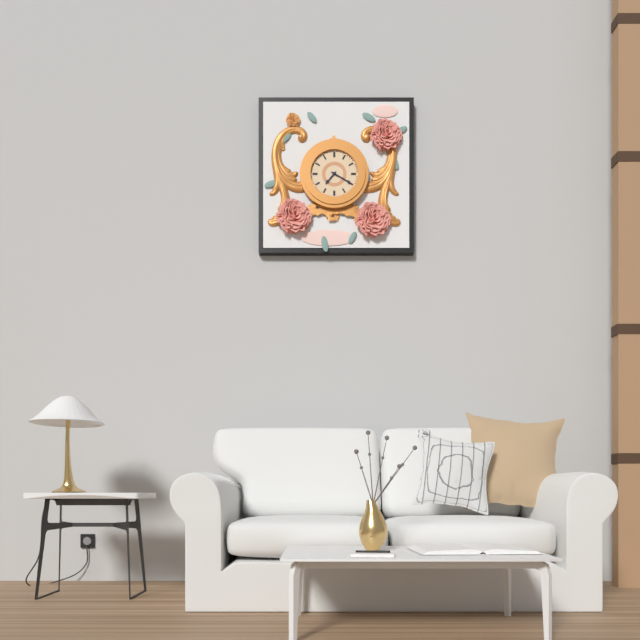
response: 7h20
